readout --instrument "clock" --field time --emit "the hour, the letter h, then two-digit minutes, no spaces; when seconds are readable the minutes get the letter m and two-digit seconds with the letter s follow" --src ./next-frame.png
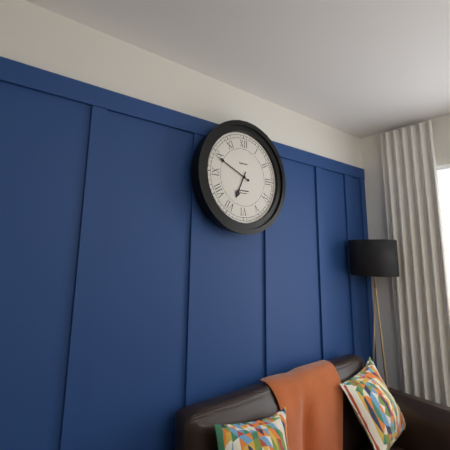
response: 6h49
